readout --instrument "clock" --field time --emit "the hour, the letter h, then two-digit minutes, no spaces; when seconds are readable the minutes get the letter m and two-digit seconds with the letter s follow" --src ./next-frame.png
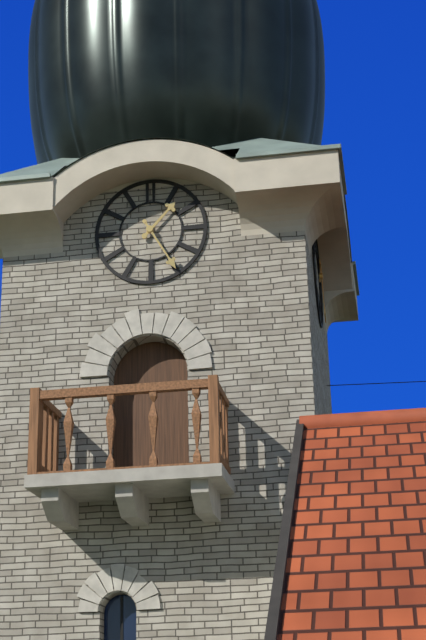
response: 1h25
